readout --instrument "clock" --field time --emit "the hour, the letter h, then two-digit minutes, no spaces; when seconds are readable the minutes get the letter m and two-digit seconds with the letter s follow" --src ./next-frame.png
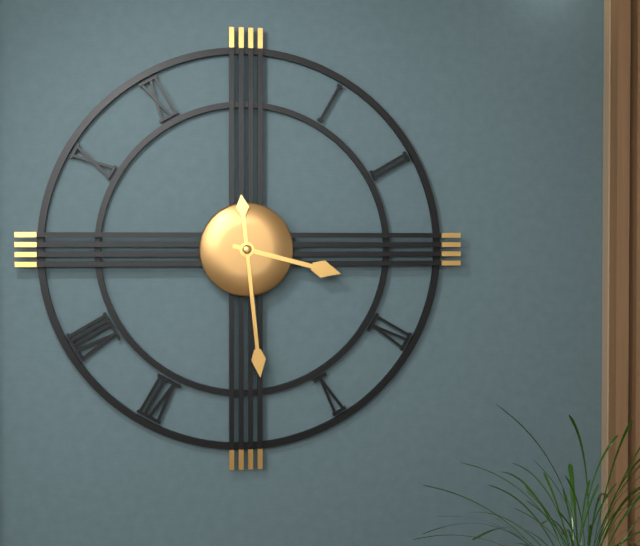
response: 3h29
